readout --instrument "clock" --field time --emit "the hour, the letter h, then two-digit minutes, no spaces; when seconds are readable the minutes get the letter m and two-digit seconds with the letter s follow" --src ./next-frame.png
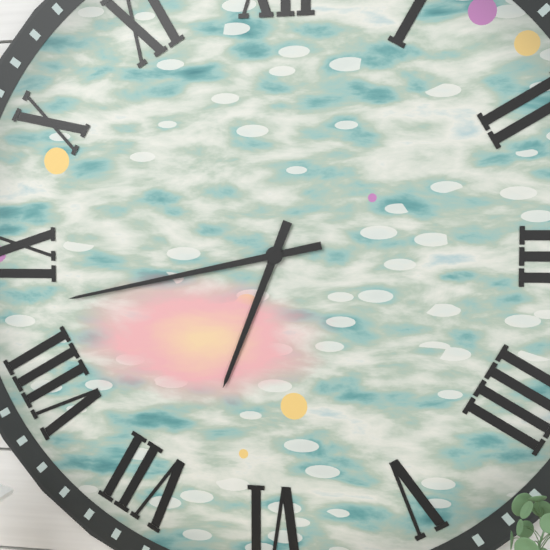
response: 6h43
